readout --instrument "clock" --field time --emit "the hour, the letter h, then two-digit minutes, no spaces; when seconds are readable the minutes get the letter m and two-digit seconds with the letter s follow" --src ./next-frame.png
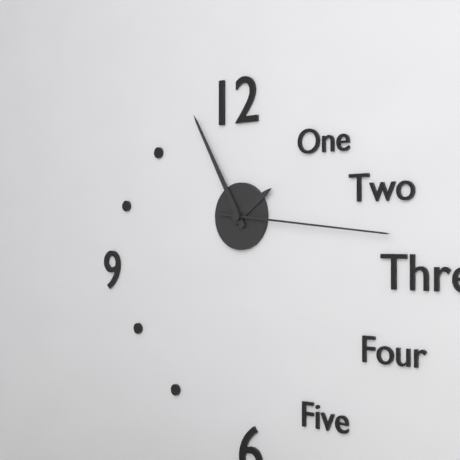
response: 1h55m16s
